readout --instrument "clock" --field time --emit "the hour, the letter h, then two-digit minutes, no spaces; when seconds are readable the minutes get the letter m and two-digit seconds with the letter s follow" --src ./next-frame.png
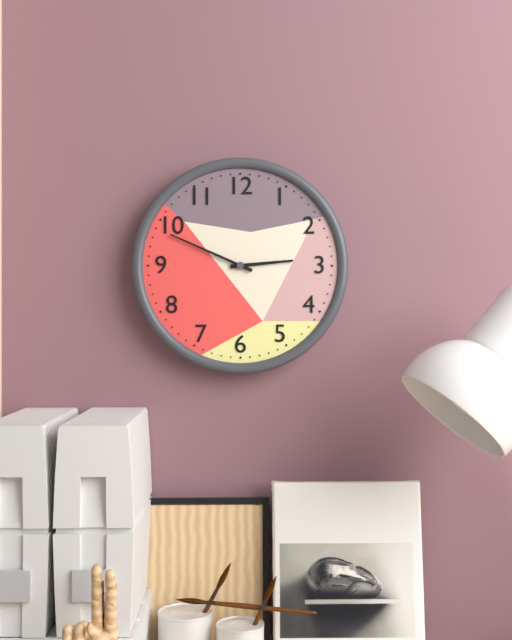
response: 2h49
